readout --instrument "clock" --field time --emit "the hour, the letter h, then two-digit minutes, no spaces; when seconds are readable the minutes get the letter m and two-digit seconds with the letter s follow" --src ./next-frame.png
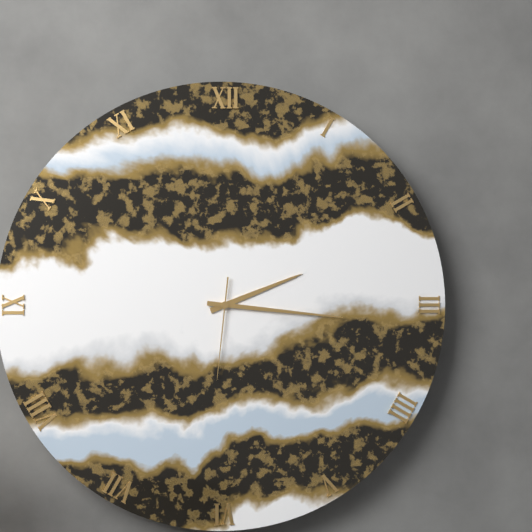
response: 2h16m31s
